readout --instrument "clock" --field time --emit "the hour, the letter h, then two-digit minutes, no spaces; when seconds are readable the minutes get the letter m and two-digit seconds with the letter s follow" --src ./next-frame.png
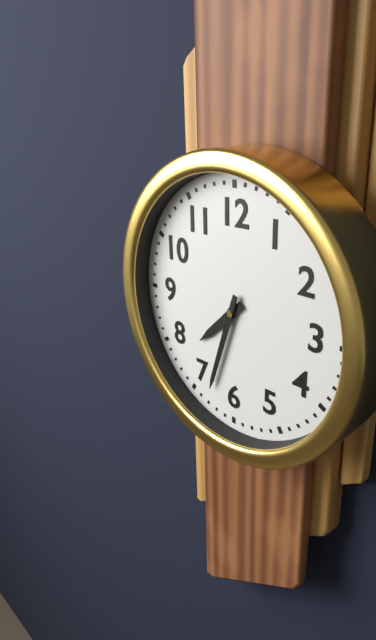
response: 7h33
